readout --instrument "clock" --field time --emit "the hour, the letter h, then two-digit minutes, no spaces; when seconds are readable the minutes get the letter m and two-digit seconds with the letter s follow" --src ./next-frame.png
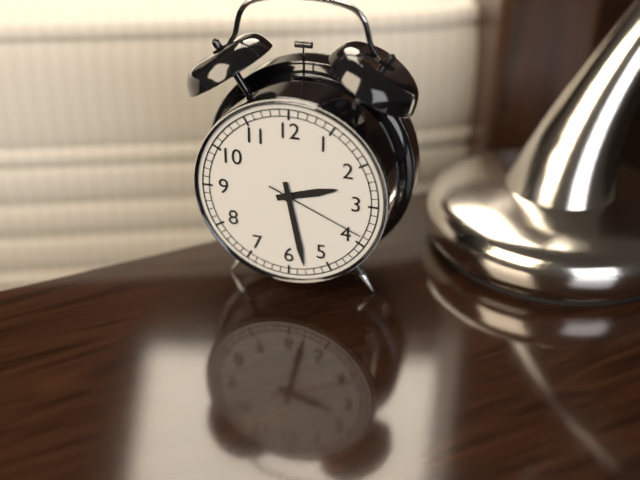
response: 2h28m19s
